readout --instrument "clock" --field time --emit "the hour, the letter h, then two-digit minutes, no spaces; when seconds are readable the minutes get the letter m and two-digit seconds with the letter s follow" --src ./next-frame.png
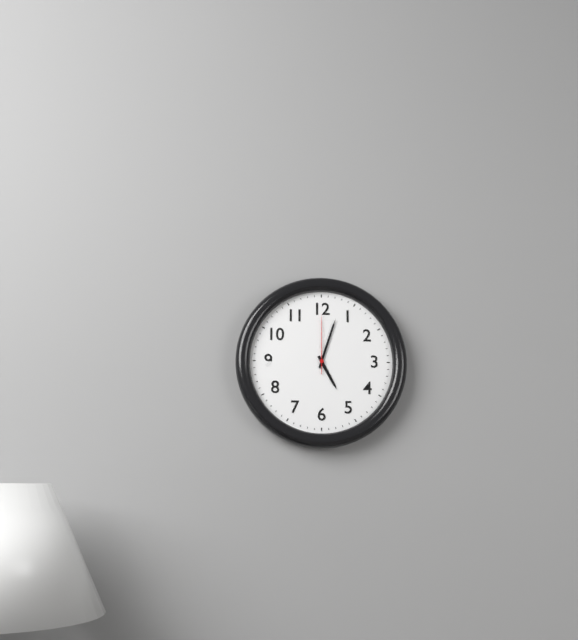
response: 5h03m00s
